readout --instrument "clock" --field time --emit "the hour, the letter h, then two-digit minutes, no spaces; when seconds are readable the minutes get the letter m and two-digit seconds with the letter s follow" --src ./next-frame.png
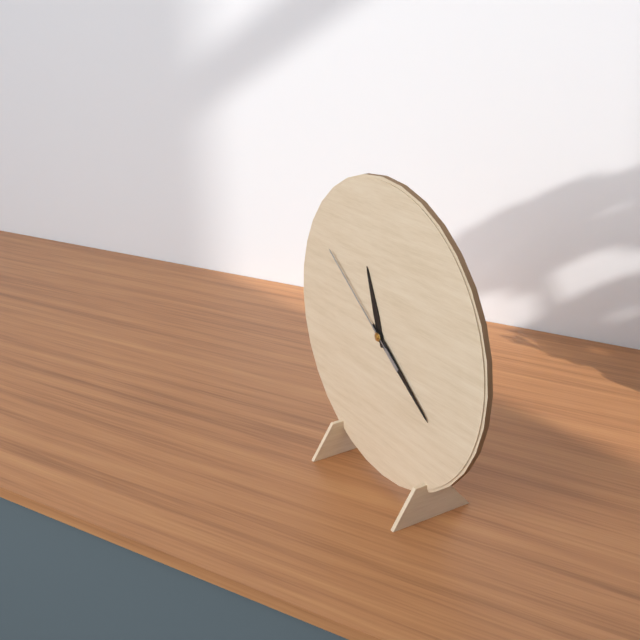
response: 11h21m51s
